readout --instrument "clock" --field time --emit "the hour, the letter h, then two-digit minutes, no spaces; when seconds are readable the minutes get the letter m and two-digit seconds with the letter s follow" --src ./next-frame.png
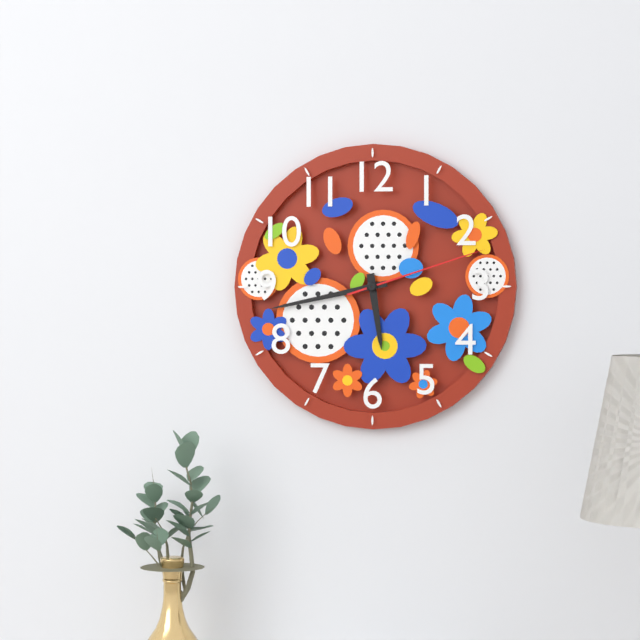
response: 5h43m12s
